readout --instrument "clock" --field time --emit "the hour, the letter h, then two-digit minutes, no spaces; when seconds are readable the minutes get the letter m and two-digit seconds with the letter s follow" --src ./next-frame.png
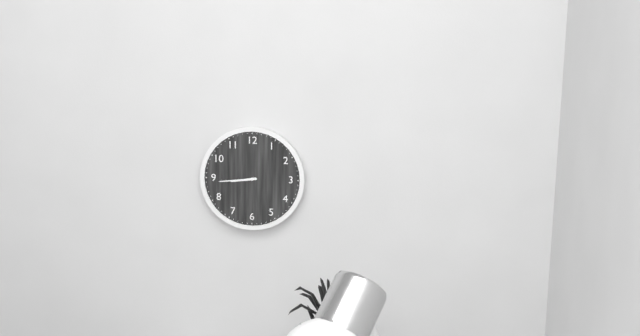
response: 8h44
